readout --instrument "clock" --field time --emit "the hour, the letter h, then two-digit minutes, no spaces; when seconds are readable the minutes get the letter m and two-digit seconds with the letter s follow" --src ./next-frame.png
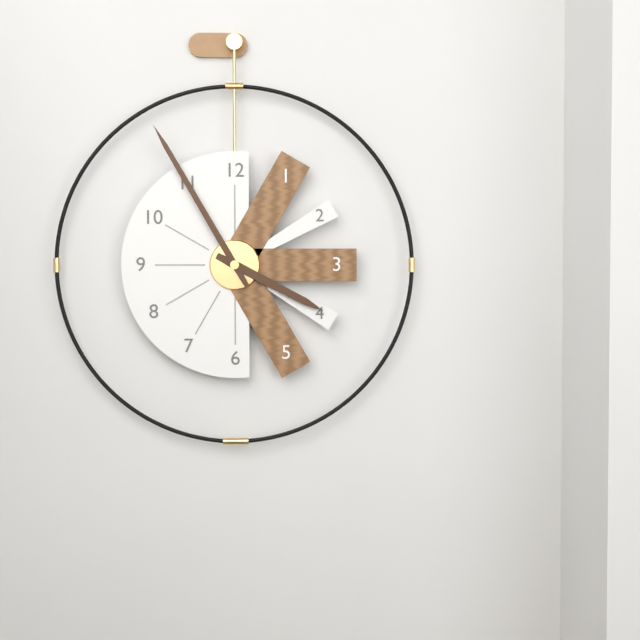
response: 3h55
